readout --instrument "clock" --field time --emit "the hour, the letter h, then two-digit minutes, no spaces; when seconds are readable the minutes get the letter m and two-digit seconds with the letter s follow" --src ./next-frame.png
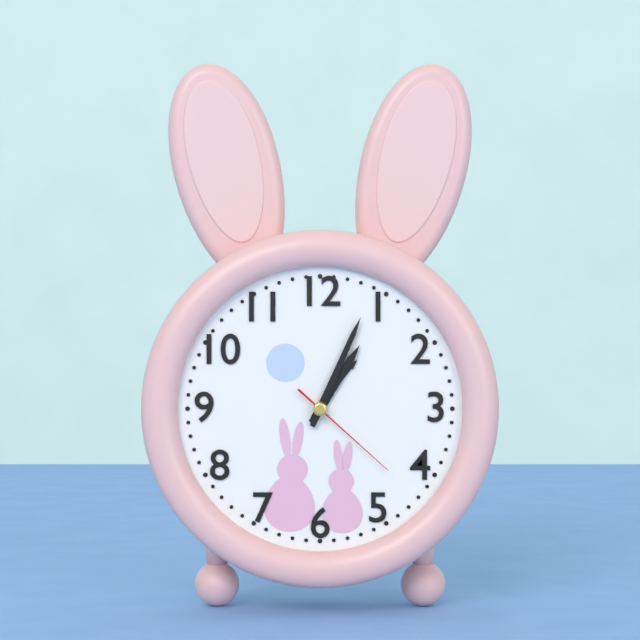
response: 1h04m22s
